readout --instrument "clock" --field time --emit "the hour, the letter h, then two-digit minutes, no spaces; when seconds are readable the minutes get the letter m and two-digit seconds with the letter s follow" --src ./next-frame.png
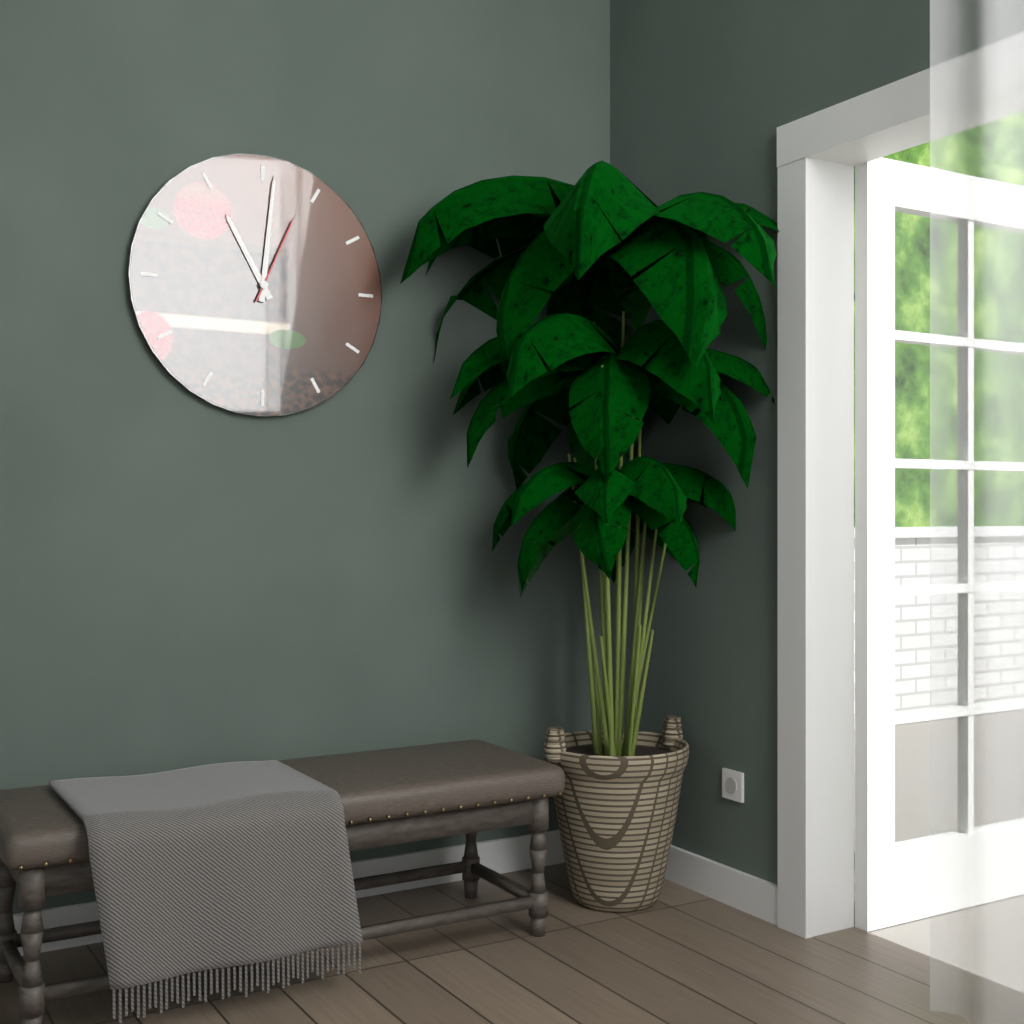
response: 11h01m04s
